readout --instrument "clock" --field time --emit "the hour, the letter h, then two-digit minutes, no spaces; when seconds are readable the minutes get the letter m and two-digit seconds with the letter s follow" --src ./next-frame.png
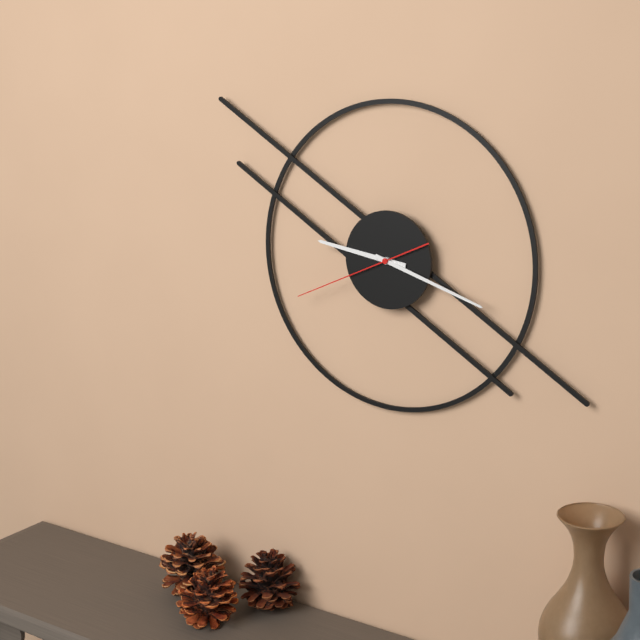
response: 9h18m41s
